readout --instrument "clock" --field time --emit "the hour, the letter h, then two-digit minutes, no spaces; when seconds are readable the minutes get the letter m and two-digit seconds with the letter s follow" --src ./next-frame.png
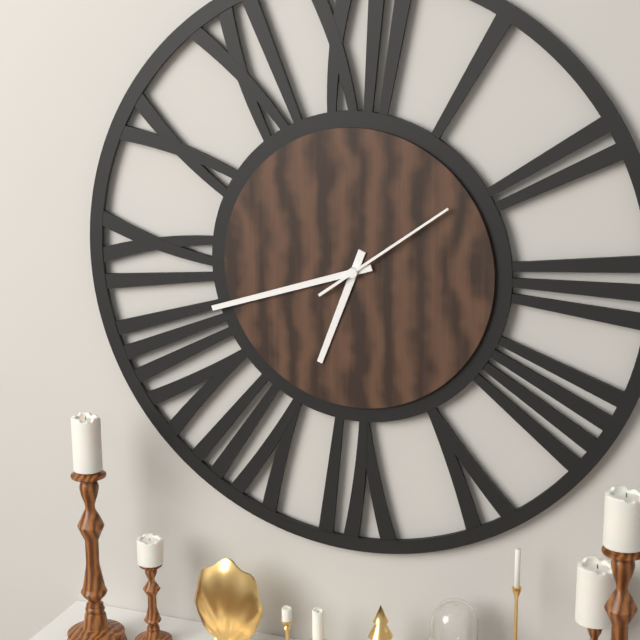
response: 6h42m09s
